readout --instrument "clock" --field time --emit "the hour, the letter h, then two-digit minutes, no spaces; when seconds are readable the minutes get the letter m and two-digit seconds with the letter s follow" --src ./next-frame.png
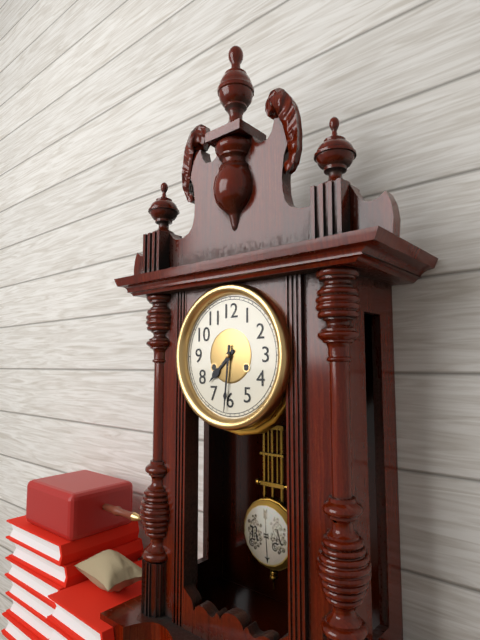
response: 7h31
